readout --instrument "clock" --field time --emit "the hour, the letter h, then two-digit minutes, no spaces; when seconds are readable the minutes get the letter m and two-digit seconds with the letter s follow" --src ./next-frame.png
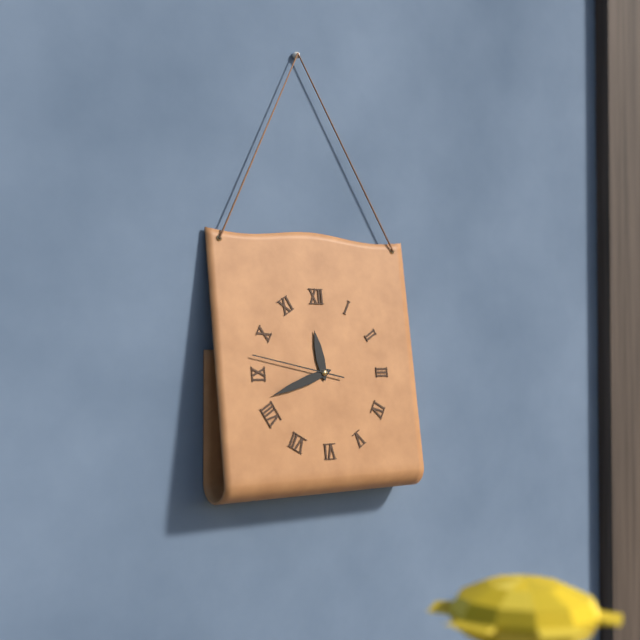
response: 11h42m47s
